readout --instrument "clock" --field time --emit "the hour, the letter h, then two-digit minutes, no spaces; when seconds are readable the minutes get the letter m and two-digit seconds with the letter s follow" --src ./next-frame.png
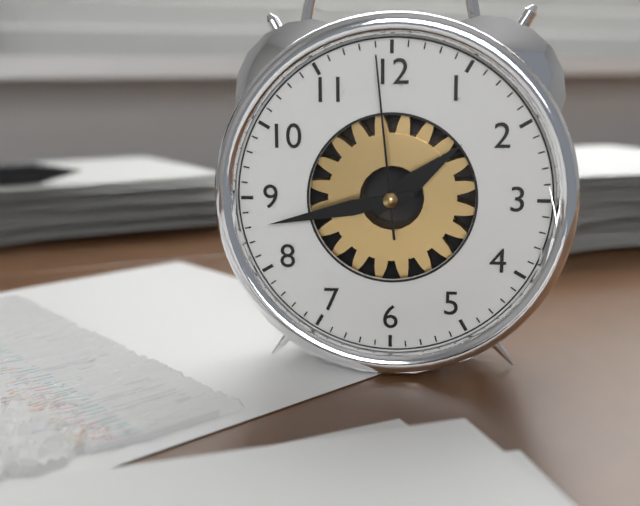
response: 1h43m59s
